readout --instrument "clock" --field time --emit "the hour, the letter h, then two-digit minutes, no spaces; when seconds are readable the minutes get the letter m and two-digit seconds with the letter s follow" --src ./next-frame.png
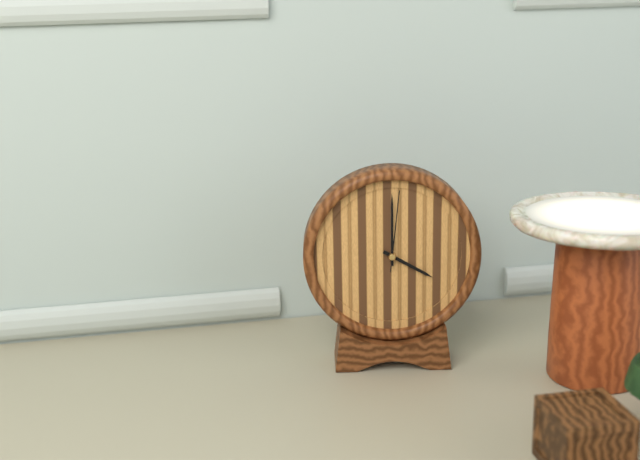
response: 4h00m01s
